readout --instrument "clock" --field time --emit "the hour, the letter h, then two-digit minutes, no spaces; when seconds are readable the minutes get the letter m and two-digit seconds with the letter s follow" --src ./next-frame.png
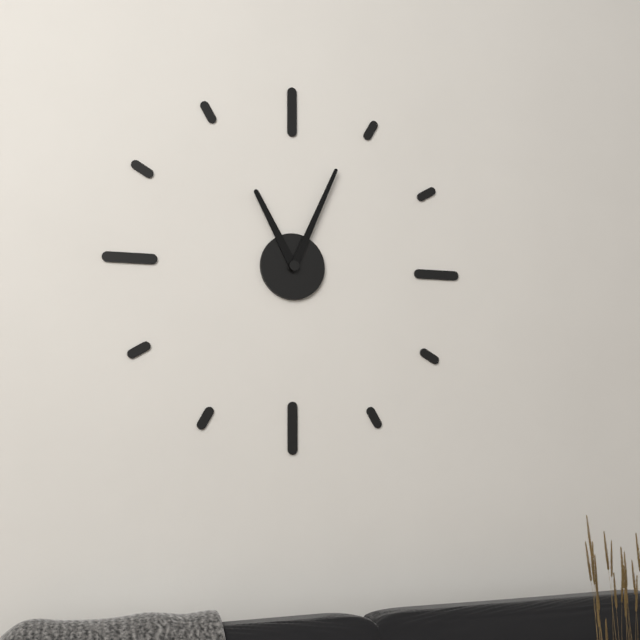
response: 11h04
